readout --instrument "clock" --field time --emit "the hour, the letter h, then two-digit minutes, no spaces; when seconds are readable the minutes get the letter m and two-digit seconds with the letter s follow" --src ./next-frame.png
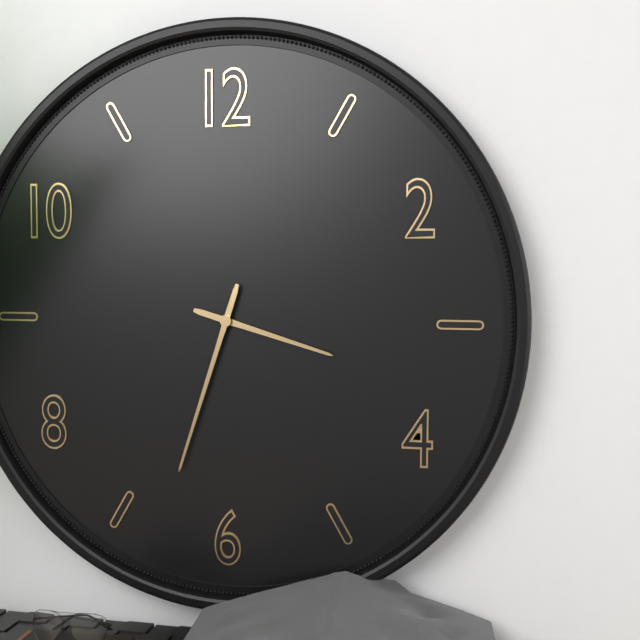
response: 3h33
